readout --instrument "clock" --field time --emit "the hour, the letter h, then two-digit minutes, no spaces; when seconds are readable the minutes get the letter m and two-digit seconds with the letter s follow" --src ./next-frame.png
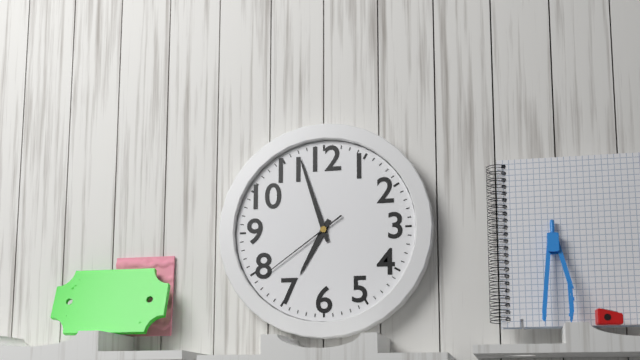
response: 6h57m39s
